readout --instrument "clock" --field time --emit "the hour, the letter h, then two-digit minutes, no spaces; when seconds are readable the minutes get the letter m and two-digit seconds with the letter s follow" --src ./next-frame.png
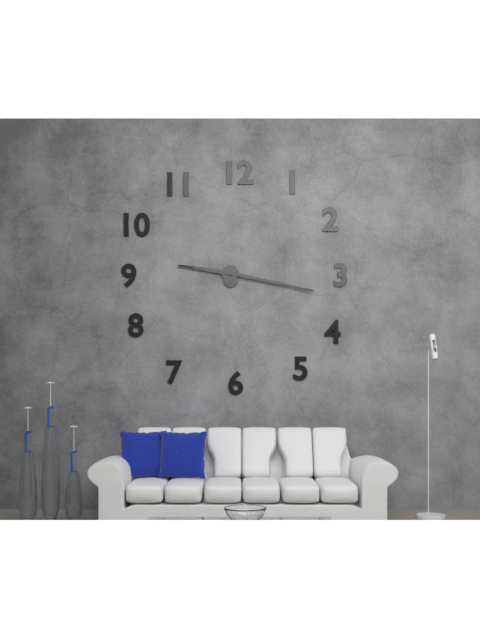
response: 9h17
